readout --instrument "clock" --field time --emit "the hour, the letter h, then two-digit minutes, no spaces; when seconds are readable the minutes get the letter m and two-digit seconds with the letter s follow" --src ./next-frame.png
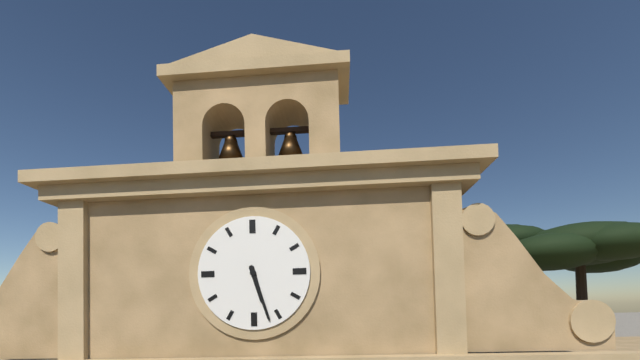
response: 5h27
